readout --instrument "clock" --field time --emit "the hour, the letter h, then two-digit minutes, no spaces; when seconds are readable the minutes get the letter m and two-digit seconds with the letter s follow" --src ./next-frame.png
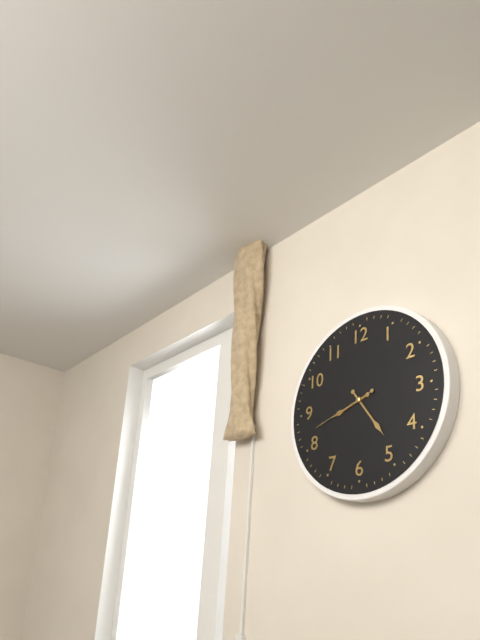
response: 8h24m42s
